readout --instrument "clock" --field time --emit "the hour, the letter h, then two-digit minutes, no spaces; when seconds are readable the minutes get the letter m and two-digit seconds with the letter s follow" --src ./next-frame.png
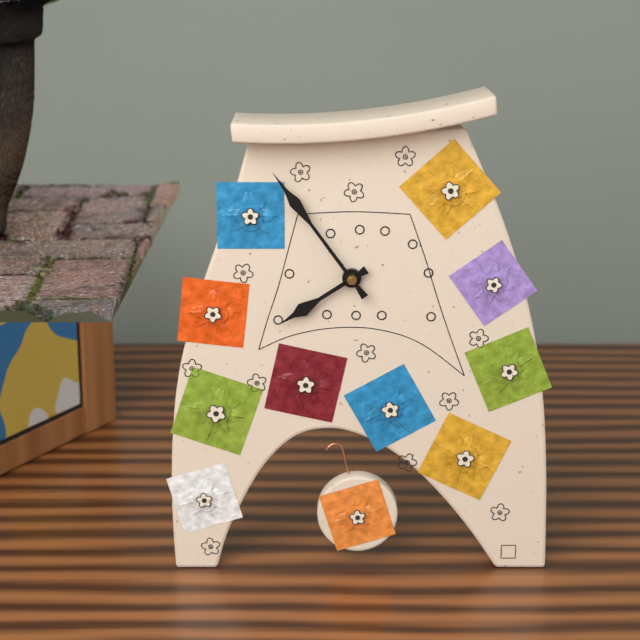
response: 7h54
